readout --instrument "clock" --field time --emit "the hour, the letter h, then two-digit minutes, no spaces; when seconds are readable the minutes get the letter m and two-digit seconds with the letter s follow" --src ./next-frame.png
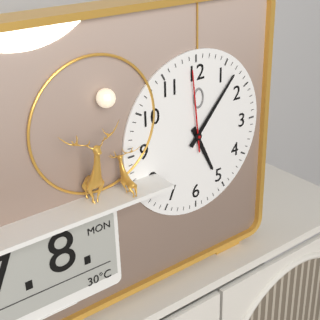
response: 5h07m59s
